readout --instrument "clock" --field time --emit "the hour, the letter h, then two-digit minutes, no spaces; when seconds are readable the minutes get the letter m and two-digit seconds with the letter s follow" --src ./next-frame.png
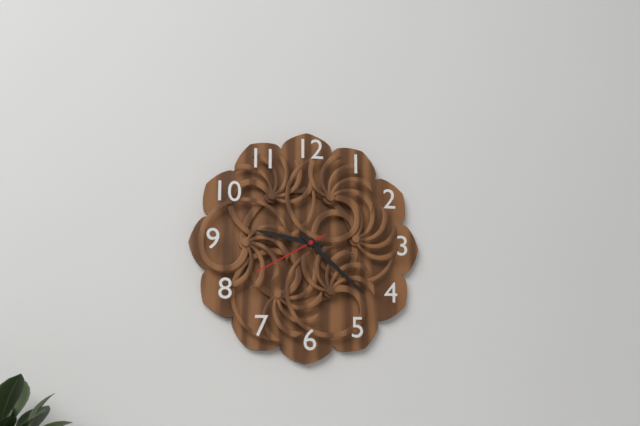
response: 9h22m40s
